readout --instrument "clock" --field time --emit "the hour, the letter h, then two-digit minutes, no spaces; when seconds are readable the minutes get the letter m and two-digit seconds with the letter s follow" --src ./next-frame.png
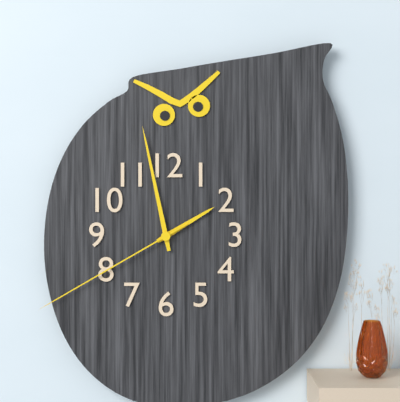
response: 1h58m40s
